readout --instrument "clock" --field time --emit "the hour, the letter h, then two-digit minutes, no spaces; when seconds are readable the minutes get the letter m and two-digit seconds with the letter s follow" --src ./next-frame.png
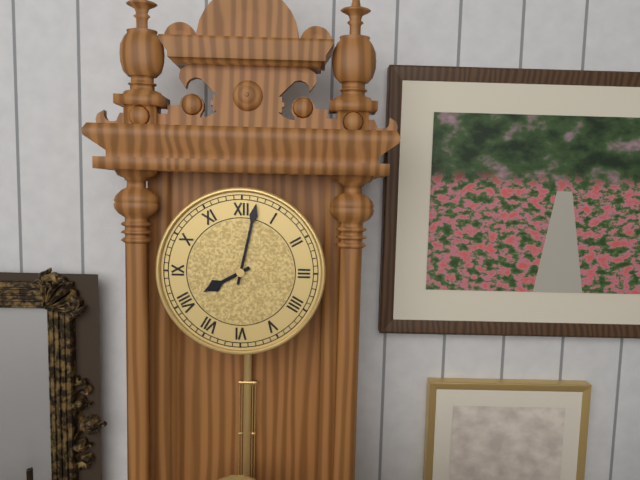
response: 8h02
